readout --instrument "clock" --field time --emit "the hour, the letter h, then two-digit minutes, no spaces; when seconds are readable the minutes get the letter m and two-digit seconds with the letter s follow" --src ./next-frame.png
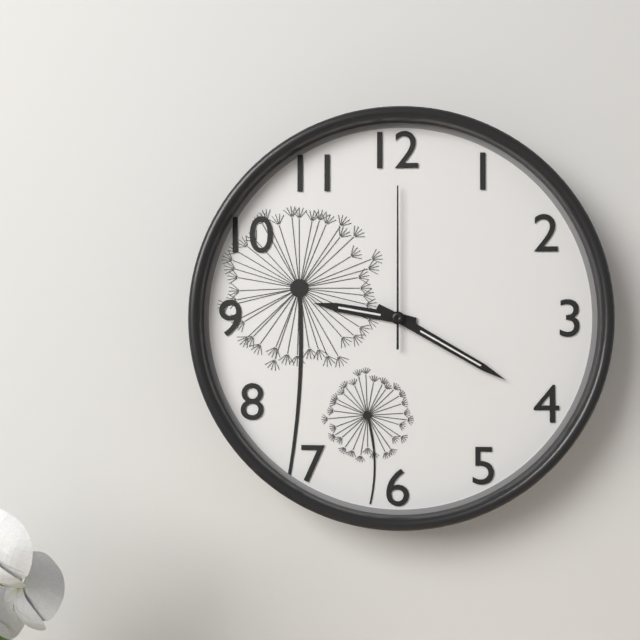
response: 9h20m00s
